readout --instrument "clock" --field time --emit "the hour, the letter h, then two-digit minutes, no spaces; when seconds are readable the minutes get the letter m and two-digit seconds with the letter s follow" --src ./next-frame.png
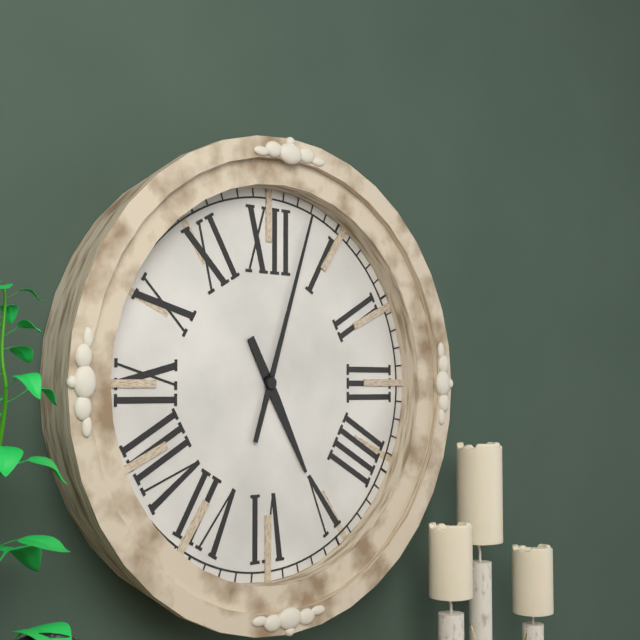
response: 5h03
